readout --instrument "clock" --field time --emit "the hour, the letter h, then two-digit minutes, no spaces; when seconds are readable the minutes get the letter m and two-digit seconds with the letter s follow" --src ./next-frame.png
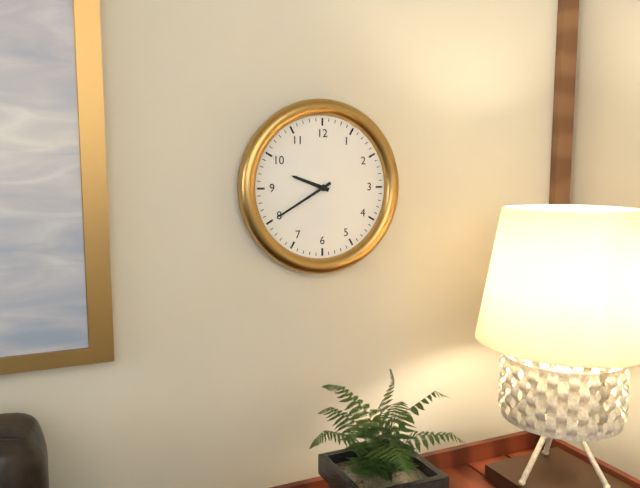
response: 9h40
